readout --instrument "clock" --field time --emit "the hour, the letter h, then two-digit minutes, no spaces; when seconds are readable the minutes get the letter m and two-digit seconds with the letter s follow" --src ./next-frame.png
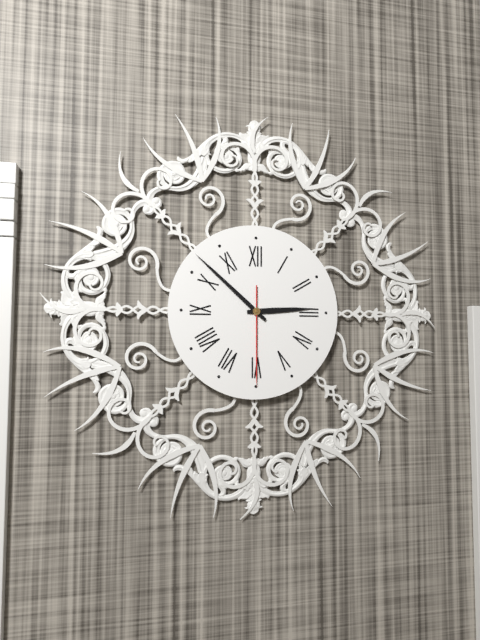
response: 2h52m30s
